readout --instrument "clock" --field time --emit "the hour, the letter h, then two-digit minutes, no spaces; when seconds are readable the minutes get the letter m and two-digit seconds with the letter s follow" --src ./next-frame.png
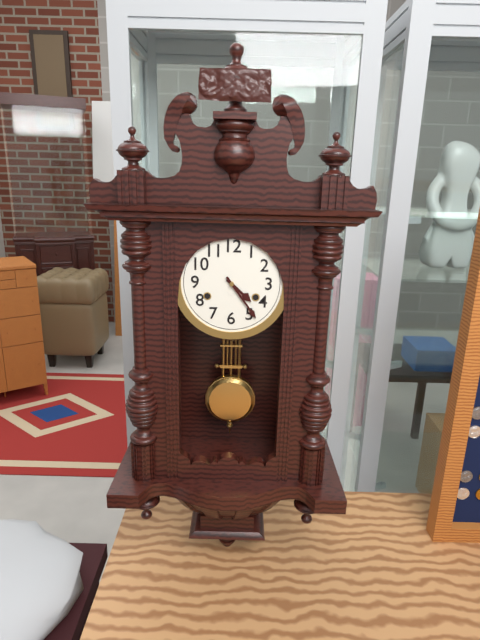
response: 4h24
